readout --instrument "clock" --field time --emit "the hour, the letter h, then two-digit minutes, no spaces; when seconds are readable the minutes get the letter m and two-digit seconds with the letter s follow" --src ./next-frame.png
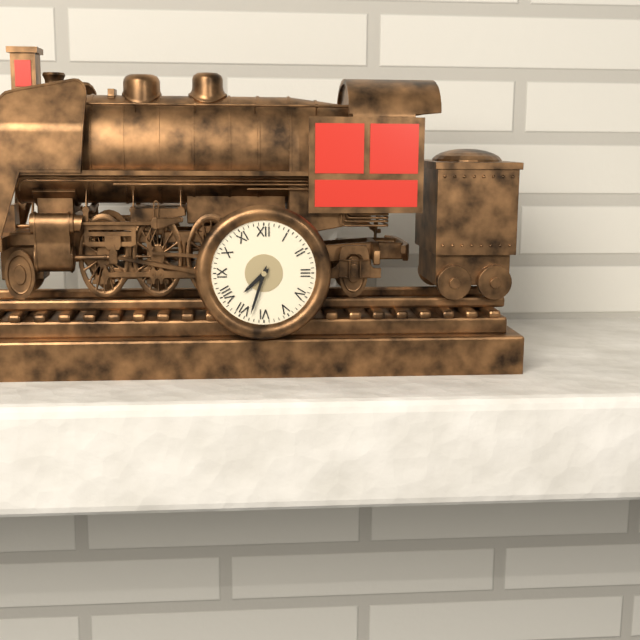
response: 7h33
